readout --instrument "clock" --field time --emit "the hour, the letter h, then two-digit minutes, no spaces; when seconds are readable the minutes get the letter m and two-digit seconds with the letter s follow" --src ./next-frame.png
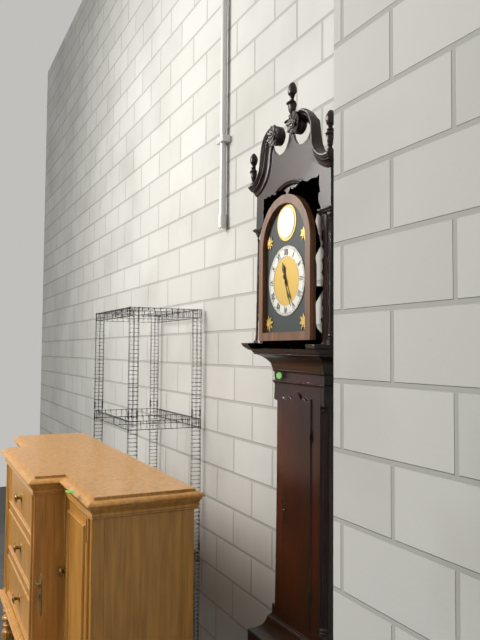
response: 11h26
